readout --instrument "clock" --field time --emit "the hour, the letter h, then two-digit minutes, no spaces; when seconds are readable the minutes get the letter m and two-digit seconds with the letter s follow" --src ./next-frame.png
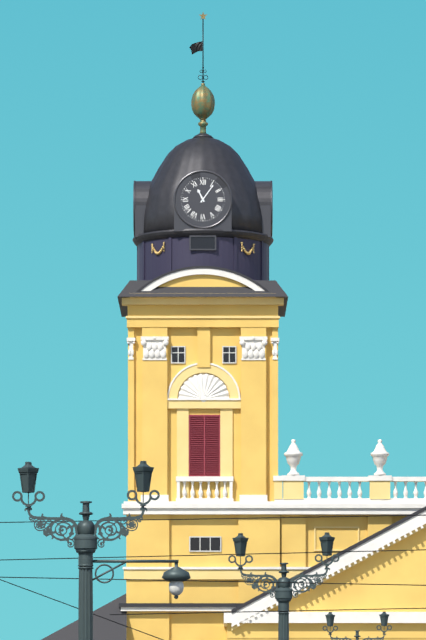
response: 11h06
